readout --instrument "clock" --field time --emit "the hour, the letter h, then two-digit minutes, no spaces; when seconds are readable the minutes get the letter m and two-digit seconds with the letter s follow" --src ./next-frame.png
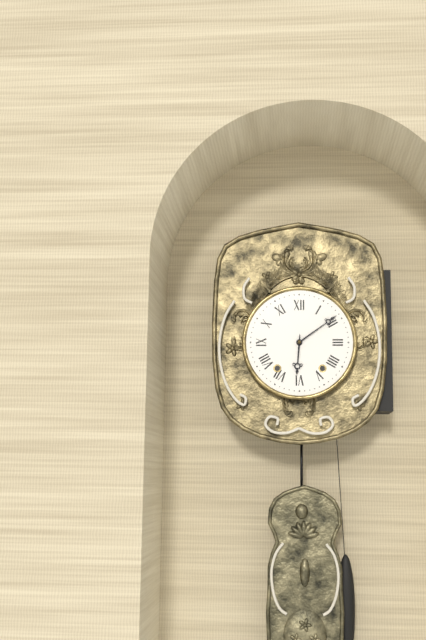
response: 6h09
